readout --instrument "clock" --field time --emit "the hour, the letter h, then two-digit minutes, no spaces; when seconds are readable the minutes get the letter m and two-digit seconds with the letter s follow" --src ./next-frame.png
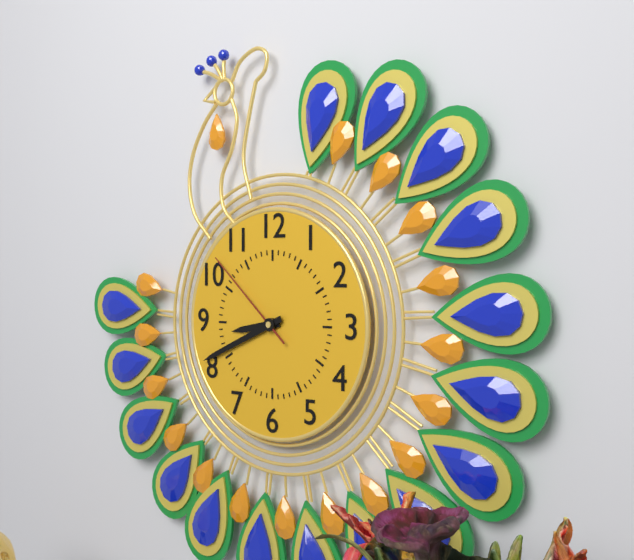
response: 8h41m52s
